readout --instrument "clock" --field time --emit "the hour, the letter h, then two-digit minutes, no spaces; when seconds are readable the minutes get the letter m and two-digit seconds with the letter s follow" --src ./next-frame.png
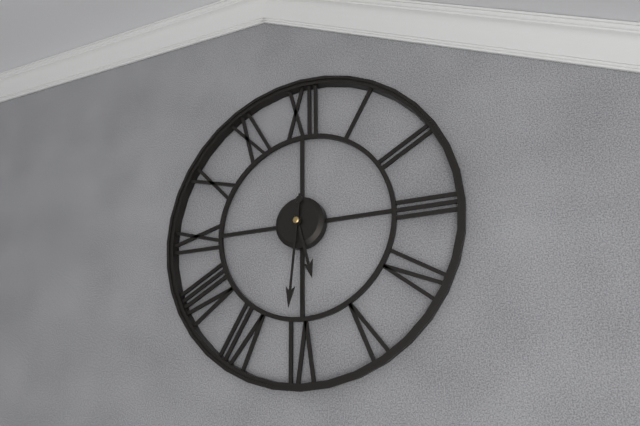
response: 5h31
